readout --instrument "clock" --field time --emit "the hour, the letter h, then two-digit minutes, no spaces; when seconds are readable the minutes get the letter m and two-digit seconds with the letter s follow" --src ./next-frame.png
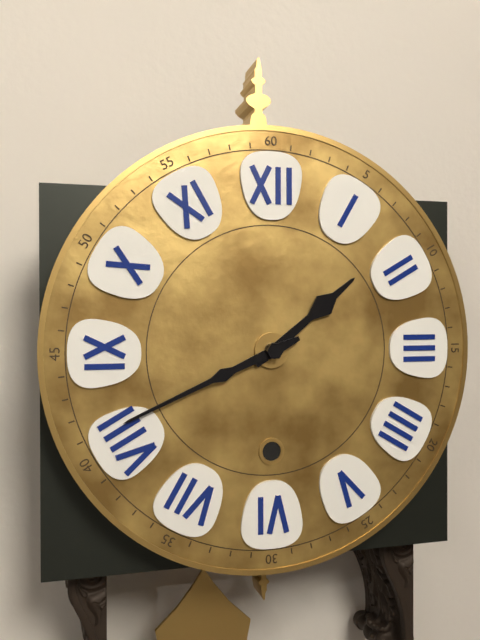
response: 1h41
